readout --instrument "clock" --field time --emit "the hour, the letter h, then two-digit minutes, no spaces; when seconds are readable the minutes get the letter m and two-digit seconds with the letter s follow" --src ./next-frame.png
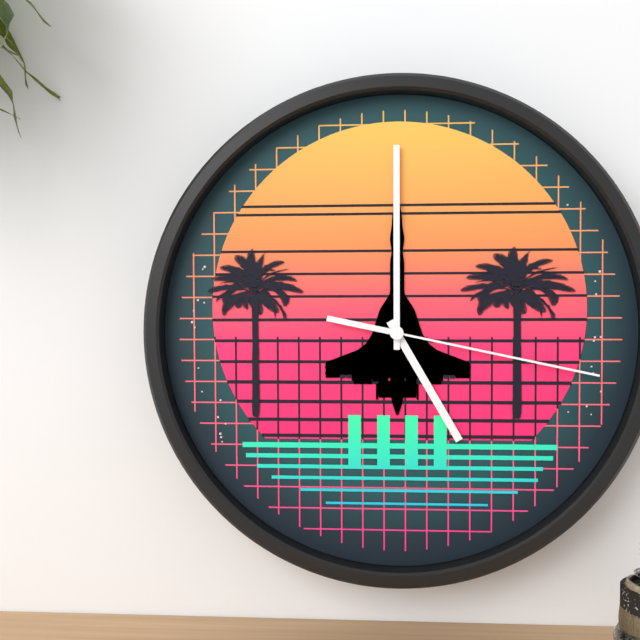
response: 5h00m17s
